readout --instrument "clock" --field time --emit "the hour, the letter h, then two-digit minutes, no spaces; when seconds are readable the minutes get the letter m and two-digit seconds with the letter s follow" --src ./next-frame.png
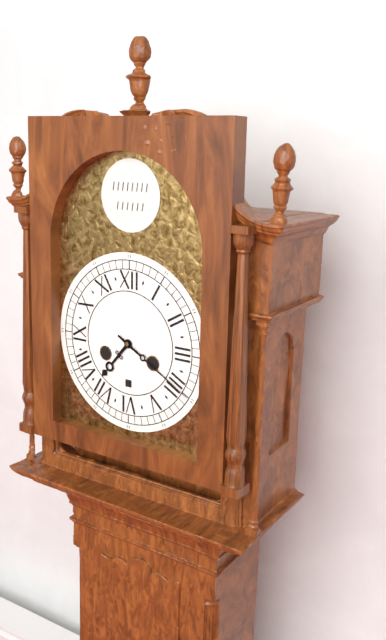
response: 7h20
